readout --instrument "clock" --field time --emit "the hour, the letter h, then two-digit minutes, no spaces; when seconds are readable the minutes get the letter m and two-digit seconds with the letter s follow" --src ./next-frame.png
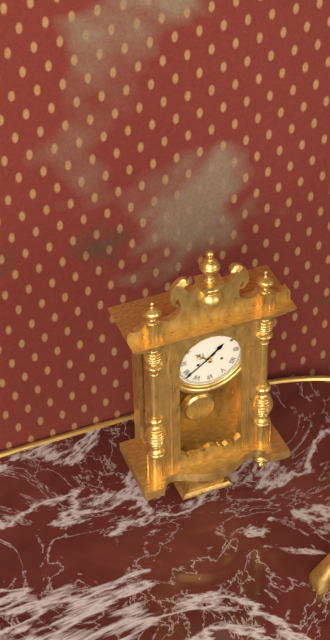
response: 1h39
